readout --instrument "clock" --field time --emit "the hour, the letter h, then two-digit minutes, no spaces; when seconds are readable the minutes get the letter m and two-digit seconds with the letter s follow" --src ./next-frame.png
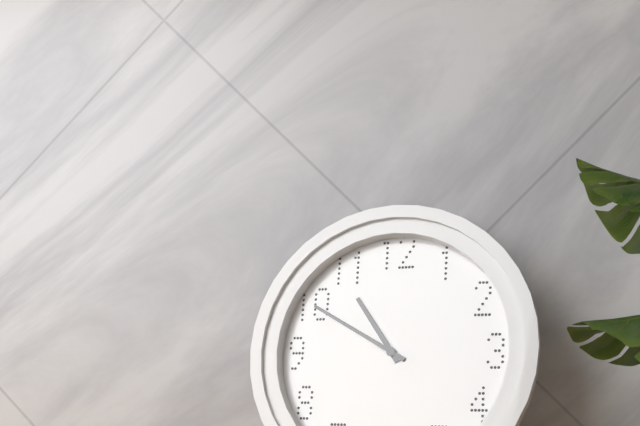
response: 10h50
